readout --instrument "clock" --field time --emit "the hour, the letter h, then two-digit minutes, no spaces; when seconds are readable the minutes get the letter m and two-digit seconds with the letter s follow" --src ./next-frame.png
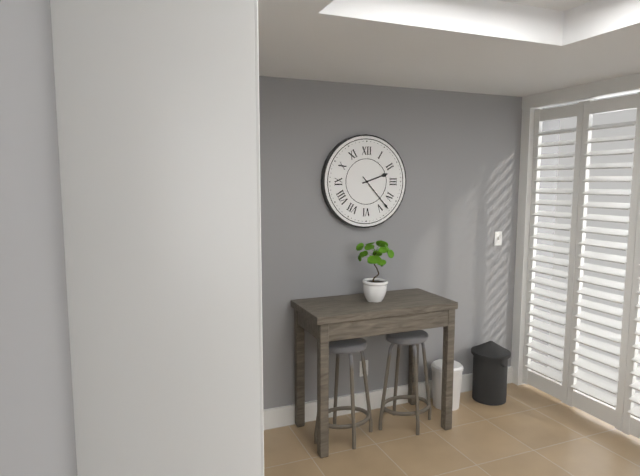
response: 2h23
